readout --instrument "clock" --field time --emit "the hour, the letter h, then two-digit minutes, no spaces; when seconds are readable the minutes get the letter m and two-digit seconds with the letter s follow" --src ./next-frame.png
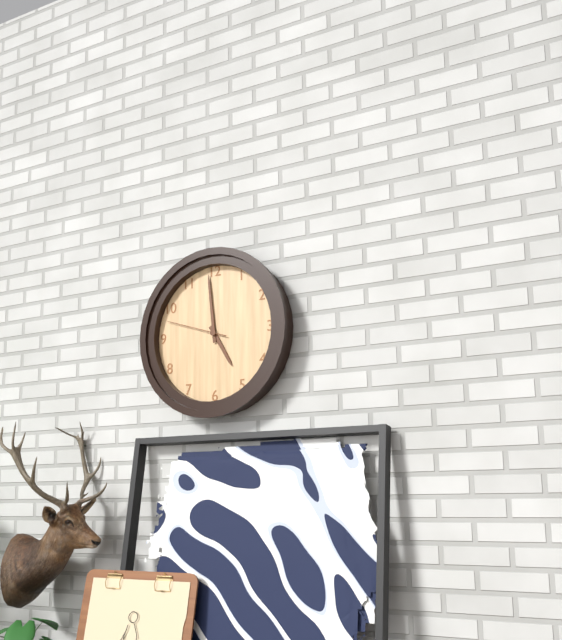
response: 4h59m48s
